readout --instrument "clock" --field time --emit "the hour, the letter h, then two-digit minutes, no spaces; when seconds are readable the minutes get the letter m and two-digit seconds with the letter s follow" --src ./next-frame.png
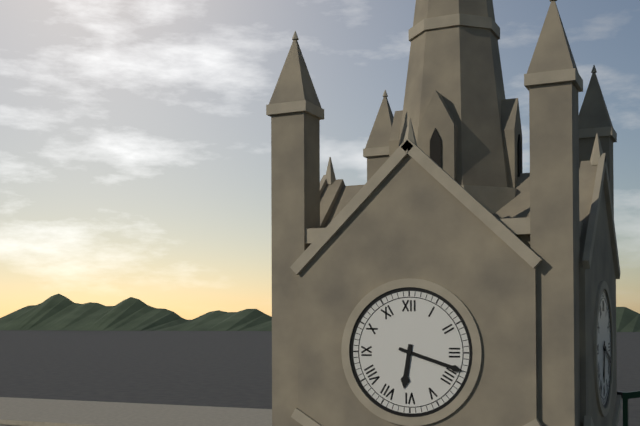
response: 6h18
